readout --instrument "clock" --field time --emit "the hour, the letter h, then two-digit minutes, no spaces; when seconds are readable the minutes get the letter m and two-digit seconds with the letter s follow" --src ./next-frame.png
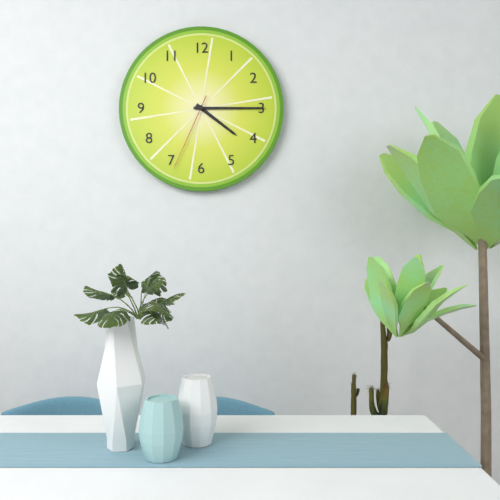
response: 4h15m34s
